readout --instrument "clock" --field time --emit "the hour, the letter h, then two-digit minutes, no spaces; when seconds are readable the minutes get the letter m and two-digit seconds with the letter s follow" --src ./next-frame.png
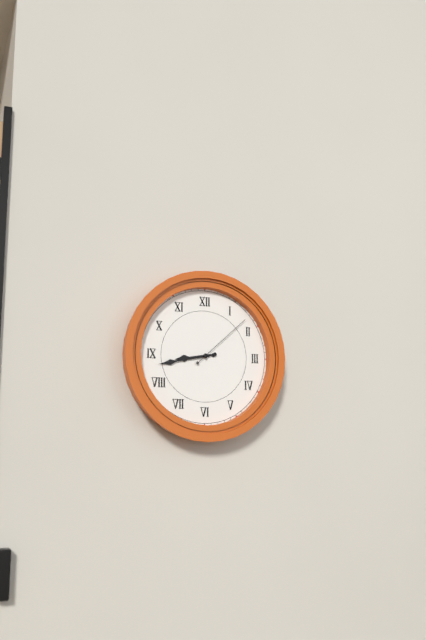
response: 8h43m08s
